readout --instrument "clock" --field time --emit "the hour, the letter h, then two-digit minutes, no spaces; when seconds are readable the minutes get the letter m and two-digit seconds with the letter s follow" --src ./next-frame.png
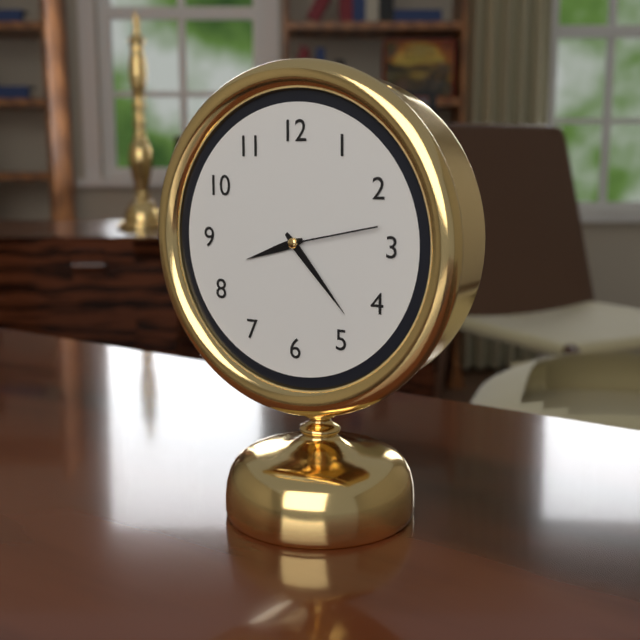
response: 8h23m13s
